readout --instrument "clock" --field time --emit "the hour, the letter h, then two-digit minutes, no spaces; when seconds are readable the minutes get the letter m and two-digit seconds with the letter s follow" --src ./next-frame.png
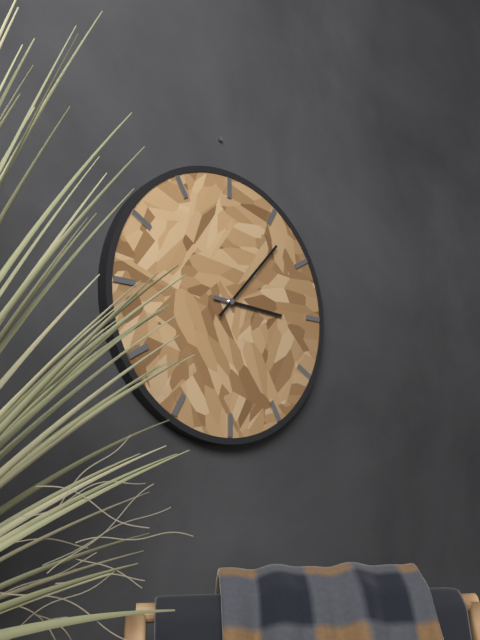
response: 3h07
